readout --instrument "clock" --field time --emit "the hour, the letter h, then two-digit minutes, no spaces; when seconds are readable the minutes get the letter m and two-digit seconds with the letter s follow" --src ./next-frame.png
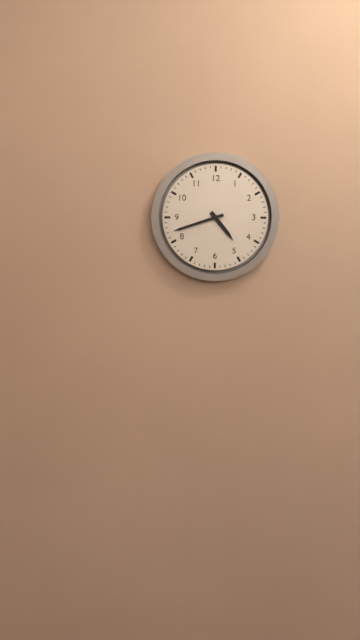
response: 4h42
